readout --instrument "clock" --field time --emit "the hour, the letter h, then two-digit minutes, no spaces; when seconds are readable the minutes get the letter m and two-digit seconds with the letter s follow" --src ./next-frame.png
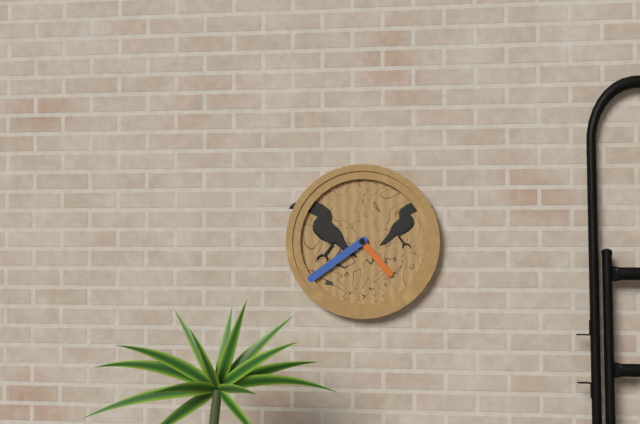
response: 4h39
